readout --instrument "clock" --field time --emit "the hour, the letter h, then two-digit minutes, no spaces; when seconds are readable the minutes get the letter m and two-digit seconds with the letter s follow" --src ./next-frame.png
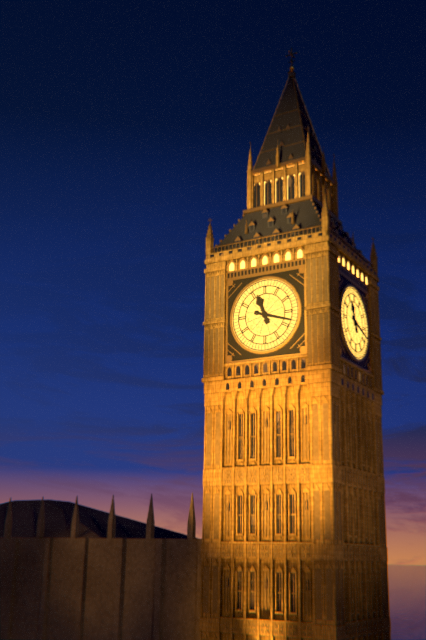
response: 11h18
